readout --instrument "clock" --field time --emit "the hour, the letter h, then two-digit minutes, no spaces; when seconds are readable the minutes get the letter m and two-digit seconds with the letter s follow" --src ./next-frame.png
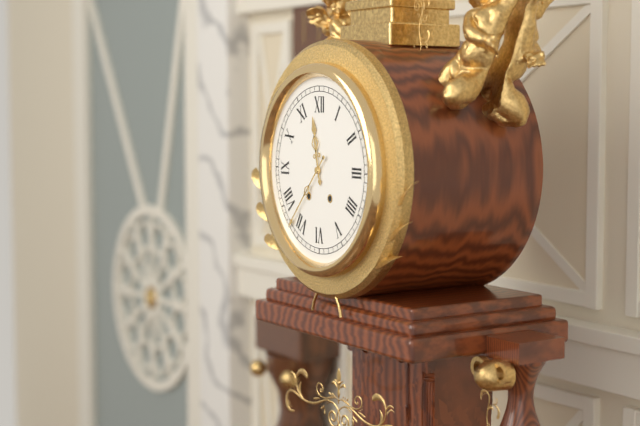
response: 11h37
